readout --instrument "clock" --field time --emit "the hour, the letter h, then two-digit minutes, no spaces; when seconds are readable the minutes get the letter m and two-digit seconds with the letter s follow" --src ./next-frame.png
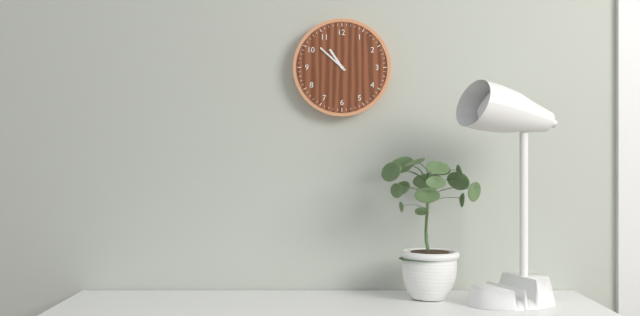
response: 10h52
